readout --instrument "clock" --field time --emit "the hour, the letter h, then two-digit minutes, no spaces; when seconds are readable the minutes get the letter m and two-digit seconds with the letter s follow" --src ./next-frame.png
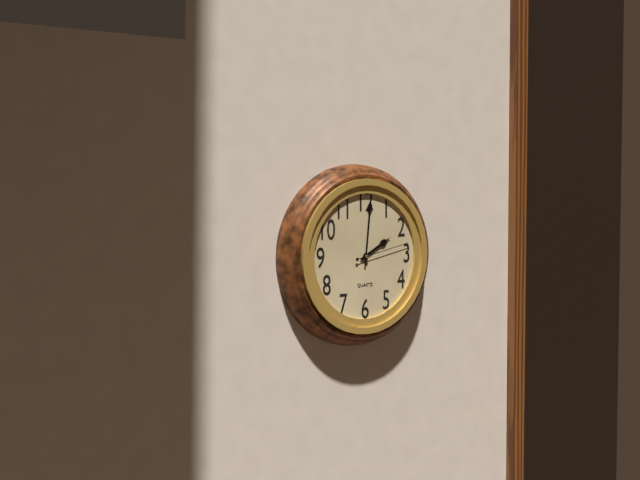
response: 2h01m13s
